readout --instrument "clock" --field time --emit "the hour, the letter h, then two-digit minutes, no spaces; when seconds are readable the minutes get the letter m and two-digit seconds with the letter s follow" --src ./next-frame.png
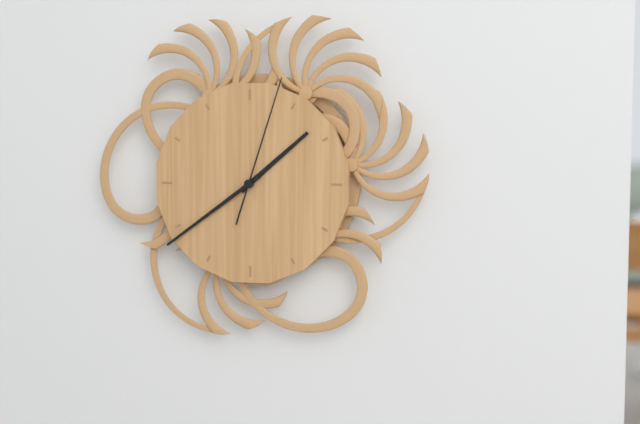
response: 1h39m03s
